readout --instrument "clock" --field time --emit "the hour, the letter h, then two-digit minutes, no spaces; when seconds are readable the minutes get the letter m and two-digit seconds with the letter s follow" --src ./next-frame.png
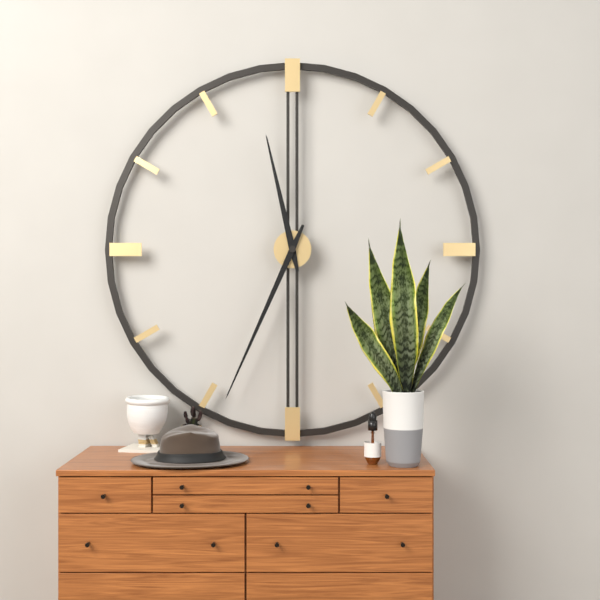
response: 11h34
